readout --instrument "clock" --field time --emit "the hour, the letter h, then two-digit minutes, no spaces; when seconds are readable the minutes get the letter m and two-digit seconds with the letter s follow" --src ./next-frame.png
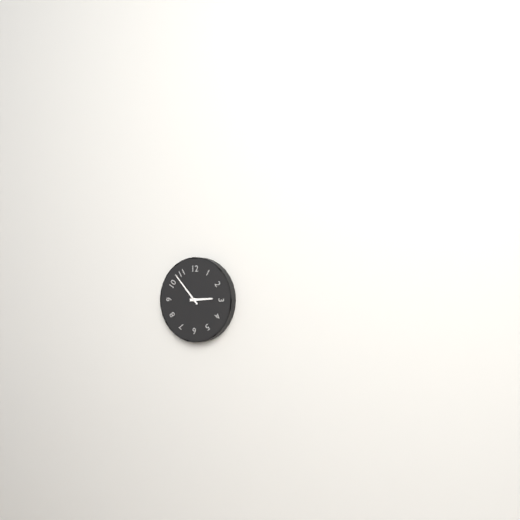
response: 2h53
